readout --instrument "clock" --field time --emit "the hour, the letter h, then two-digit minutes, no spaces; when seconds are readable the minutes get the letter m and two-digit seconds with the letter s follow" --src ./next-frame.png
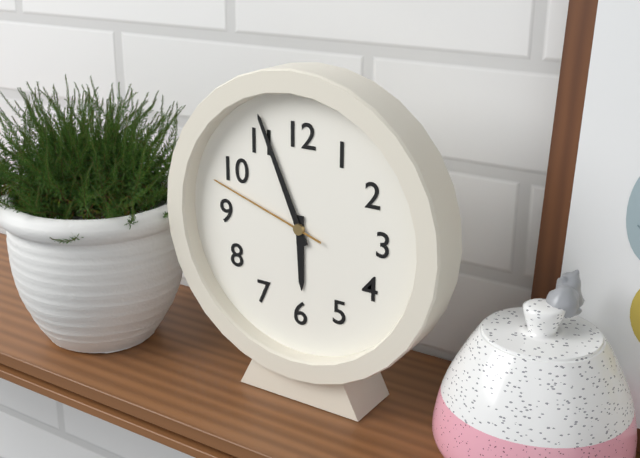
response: 5h56m48s
